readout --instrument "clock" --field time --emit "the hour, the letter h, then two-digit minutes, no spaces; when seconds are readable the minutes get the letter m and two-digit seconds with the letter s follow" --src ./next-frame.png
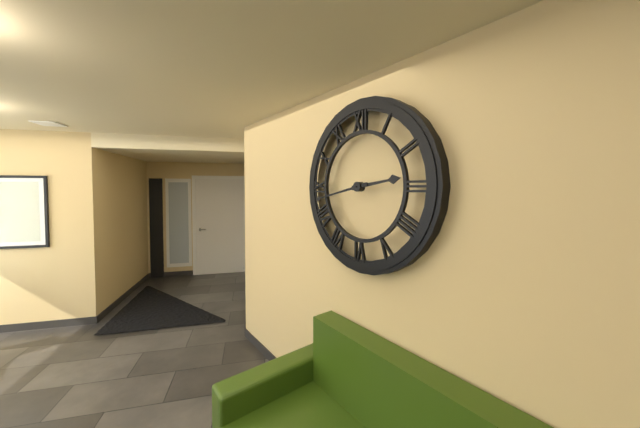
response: 2h43
